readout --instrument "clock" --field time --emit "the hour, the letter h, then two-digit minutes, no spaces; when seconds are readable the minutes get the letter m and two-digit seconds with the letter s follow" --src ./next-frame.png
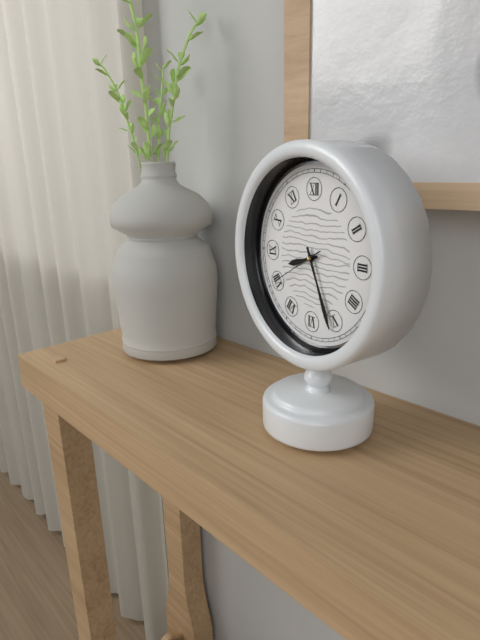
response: 8h26m40s
